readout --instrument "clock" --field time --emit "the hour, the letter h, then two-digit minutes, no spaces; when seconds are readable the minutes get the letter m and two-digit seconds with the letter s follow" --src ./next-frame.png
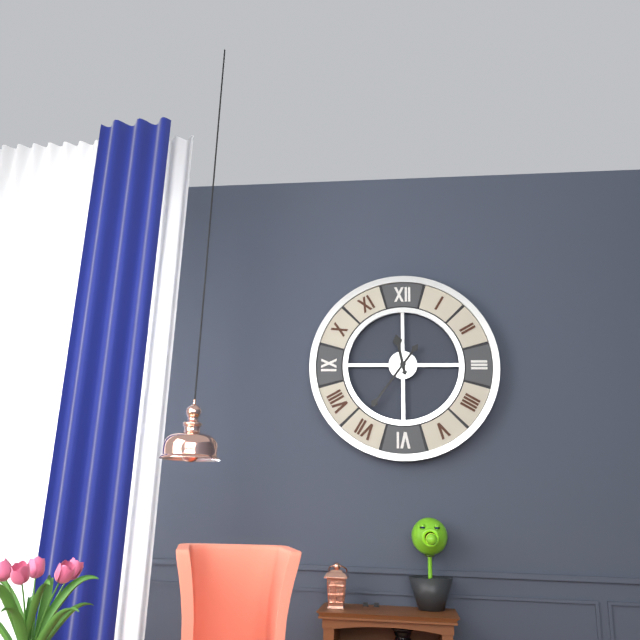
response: 11h36
